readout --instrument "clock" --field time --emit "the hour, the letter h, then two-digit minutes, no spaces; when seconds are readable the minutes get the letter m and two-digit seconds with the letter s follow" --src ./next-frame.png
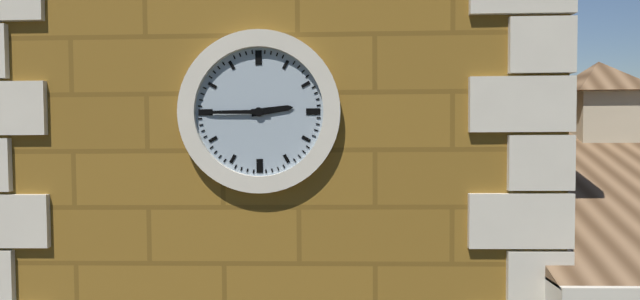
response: 2h45
